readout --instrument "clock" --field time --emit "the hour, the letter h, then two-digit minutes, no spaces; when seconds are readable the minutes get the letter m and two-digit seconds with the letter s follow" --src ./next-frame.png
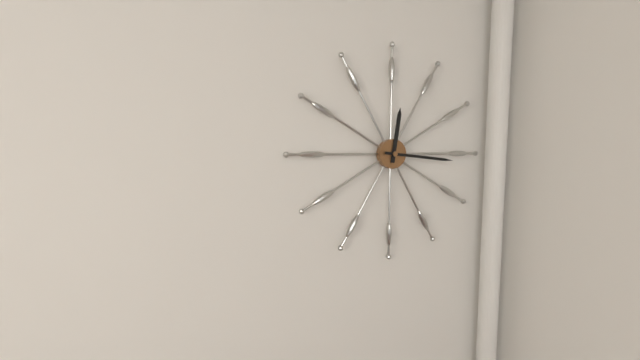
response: 12h16
